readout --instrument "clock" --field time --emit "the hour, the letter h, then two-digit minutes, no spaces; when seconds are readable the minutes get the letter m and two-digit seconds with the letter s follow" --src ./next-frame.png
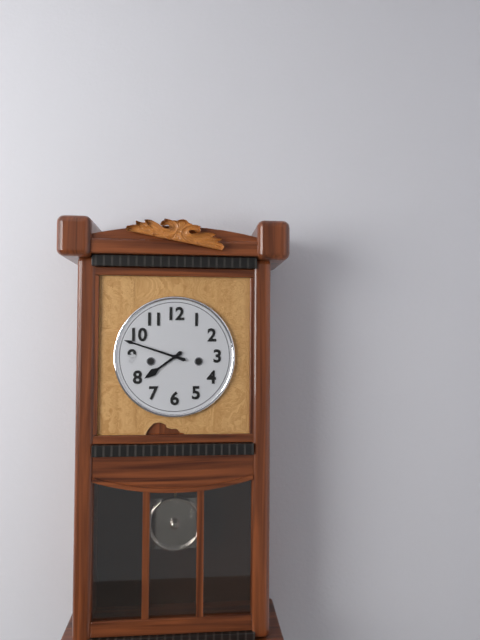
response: 7h48
